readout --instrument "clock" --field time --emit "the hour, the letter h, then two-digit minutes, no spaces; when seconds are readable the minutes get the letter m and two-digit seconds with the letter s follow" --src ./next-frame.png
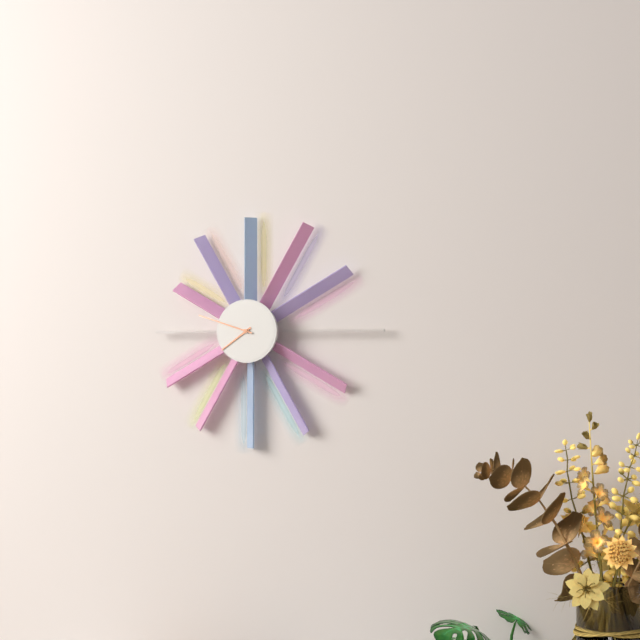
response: 7h48
